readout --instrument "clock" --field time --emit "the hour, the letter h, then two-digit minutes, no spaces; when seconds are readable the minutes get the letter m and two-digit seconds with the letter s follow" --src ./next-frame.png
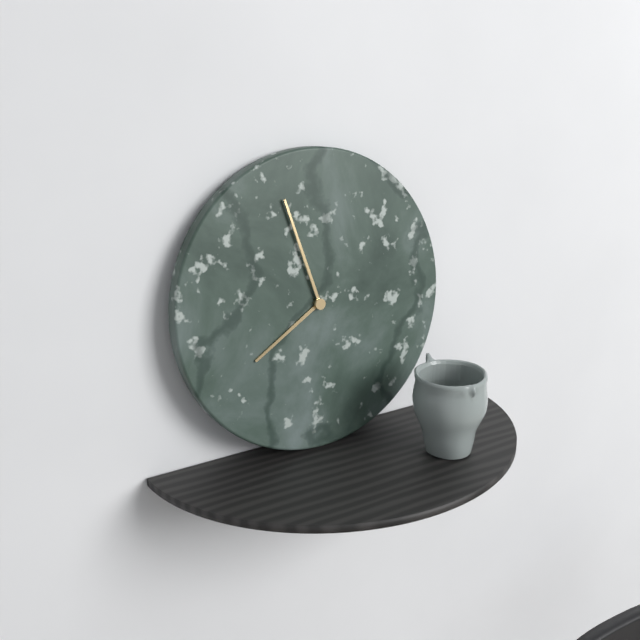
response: 7h57
